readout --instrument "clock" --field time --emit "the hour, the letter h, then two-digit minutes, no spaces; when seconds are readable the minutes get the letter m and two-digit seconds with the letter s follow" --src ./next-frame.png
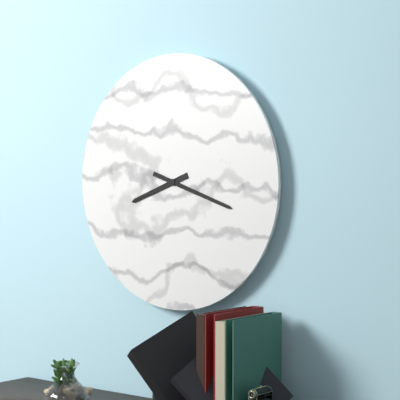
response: 8h18
